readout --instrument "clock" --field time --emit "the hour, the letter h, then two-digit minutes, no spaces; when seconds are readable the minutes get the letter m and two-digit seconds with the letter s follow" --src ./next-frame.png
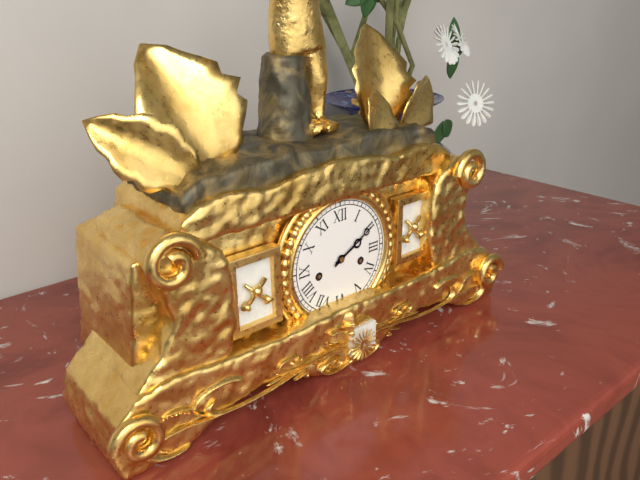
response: 2h10
